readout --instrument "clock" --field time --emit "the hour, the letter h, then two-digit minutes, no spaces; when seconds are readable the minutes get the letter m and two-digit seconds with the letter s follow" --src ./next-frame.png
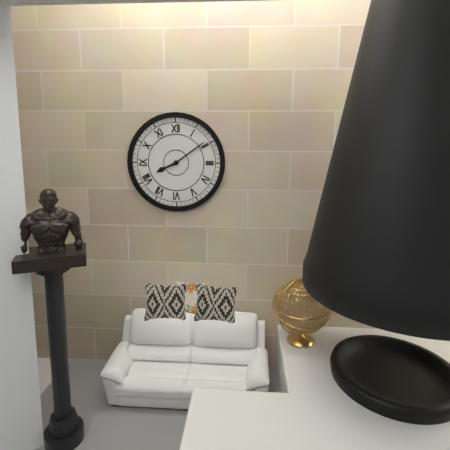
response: 8h09
